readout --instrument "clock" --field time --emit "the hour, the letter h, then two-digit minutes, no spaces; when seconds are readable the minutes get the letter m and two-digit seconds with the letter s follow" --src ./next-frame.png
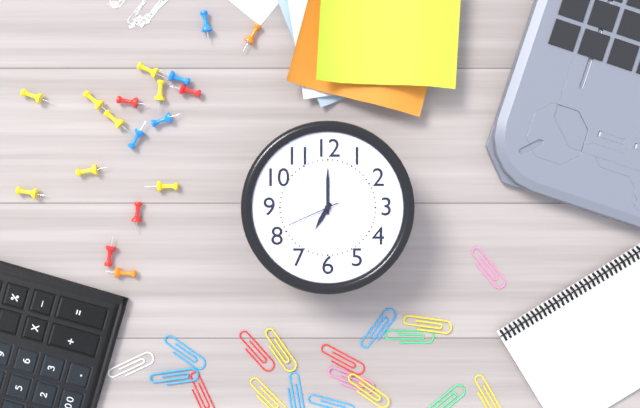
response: 7h00m41s
